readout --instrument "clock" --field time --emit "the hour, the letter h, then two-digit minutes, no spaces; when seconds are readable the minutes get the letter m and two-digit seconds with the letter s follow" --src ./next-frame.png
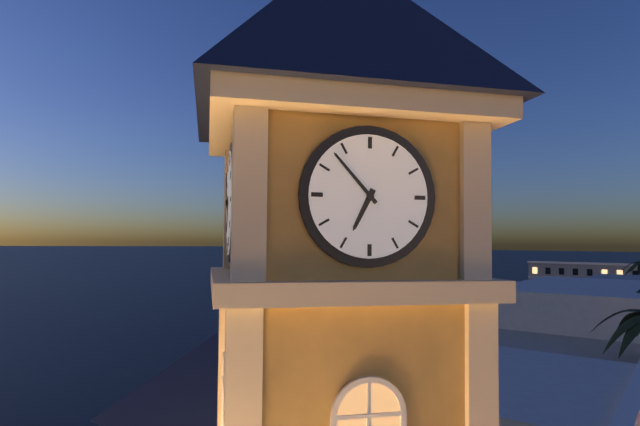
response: 6h53
